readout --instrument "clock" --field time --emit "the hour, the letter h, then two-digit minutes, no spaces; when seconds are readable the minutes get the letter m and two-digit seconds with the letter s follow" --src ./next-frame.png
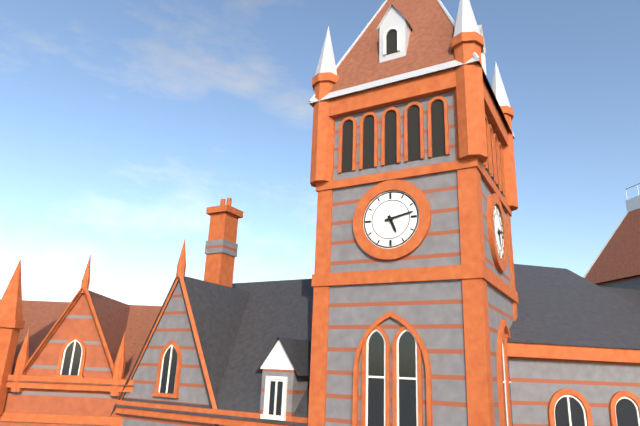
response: 5h13
